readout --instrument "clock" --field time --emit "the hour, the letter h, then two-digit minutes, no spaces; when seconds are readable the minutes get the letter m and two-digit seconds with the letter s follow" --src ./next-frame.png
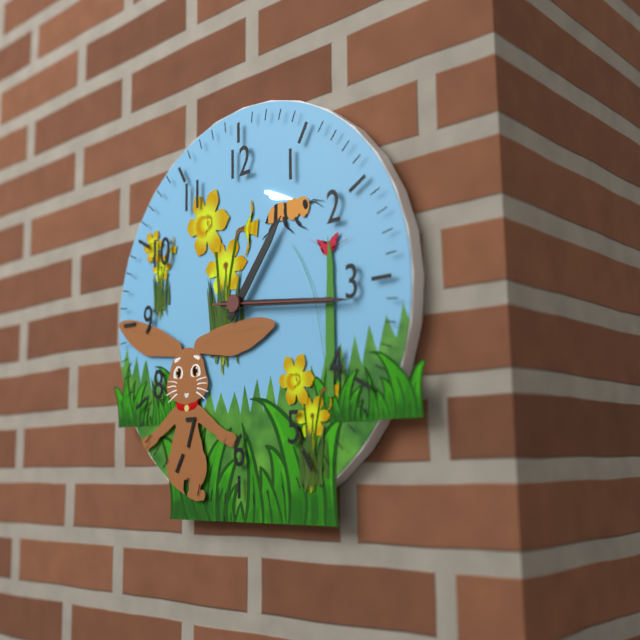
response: 1h16m16s
